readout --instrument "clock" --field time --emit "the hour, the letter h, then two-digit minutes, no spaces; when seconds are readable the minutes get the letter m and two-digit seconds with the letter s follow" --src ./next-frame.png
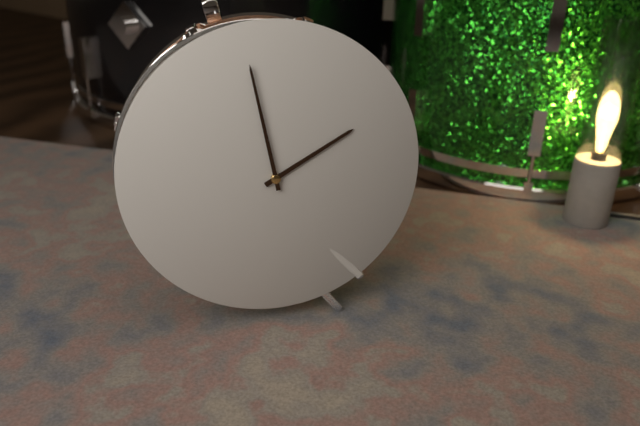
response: 1h58
